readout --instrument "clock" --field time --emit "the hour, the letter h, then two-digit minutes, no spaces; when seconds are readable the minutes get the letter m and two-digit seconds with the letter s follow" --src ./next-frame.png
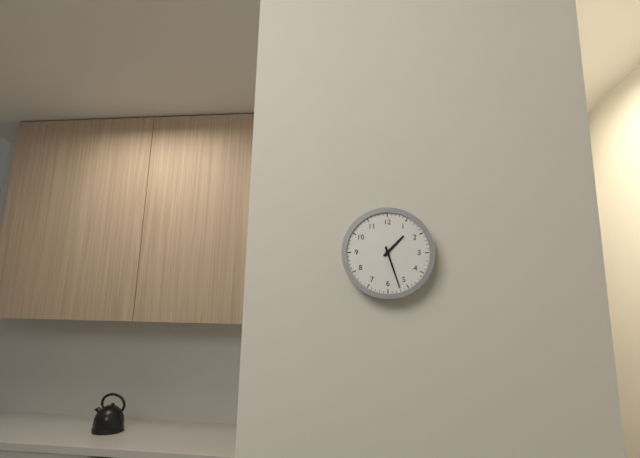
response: 1h27
